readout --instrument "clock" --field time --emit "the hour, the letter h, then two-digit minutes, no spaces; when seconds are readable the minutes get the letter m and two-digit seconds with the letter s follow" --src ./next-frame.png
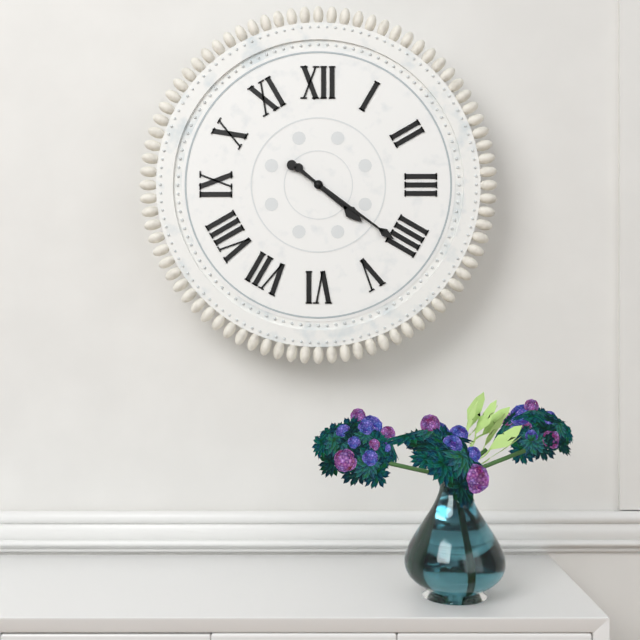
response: 4h21
